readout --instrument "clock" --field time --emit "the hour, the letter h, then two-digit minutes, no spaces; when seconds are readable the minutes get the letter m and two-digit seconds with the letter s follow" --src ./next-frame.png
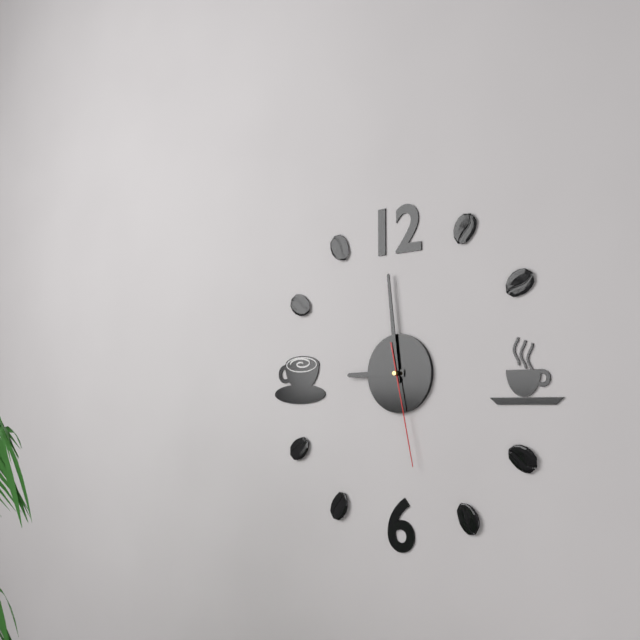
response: 8h59m28s
